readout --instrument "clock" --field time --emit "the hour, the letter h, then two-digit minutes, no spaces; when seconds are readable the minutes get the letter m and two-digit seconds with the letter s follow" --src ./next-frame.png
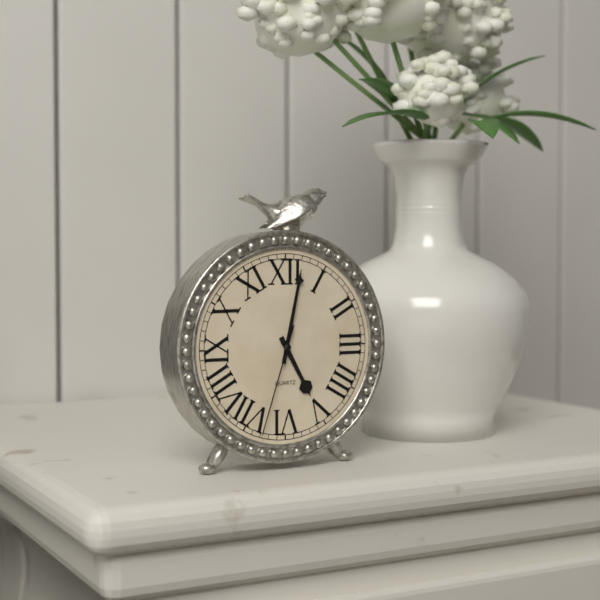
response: 5h02m33s
